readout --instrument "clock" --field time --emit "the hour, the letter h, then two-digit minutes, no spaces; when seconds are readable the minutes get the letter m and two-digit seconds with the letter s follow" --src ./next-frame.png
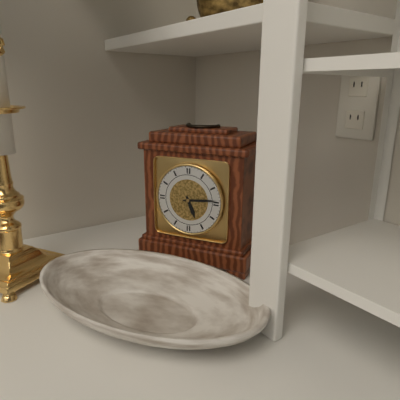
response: 5h14
